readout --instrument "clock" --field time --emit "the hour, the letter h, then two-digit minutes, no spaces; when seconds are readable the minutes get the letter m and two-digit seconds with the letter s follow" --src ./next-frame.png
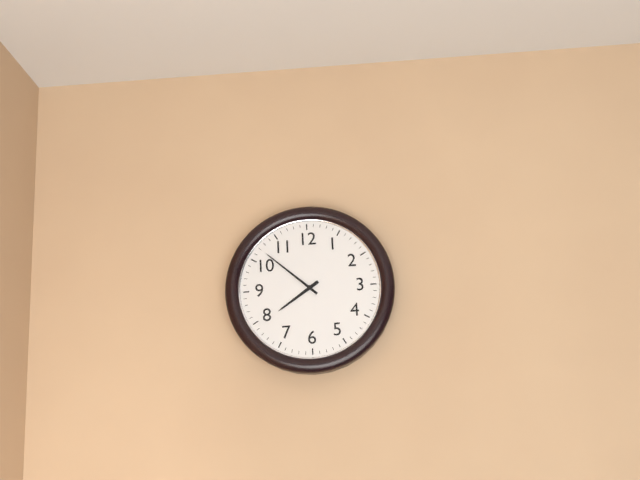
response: 7h52
